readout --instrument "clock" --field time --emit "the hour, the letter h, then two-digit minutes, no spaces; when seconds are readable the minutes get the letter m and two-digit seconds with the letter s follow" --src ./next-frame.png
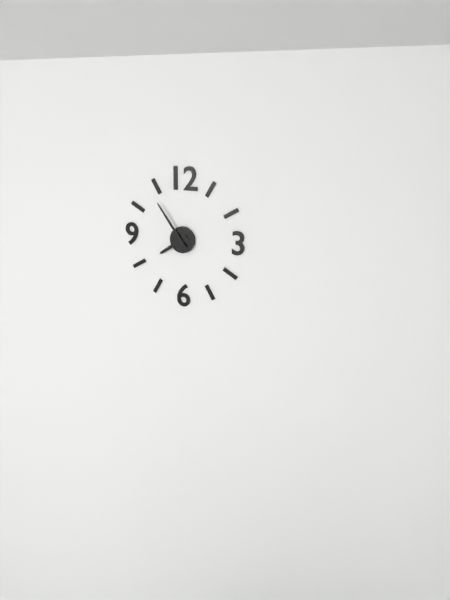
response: 7h54
